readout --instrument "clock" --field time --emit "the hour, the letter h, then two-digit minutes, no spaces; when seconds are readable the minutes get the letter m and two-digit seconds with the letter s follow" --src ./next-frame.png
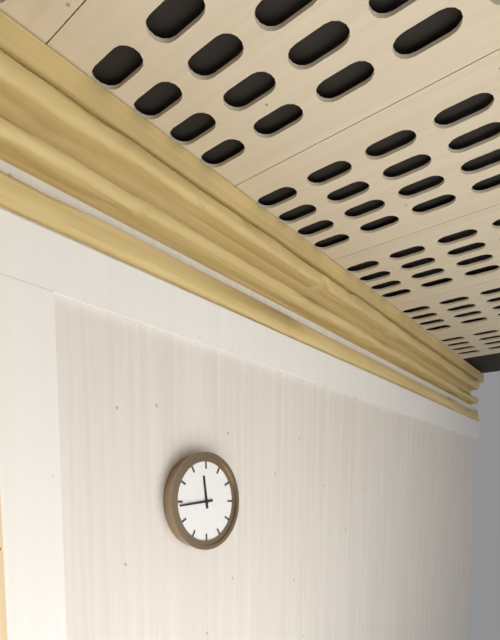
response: 11h44
